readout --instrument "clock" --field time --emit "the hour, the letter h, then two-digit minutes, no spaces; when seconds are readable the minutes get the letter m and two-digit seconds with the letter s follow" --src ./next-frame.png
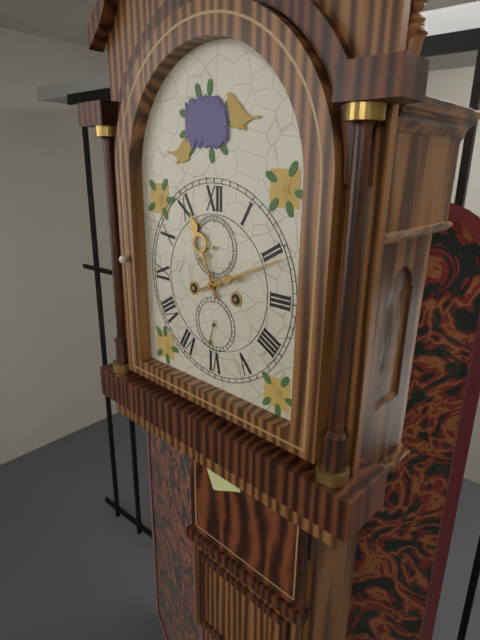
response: 11h11
